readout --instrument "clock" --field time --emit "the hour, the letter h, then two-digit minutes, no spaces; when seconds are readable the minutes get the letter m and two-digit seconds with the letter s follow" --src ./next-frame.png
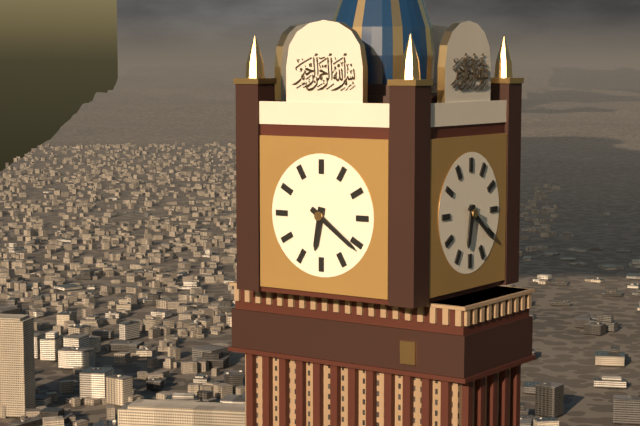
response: 6h21
